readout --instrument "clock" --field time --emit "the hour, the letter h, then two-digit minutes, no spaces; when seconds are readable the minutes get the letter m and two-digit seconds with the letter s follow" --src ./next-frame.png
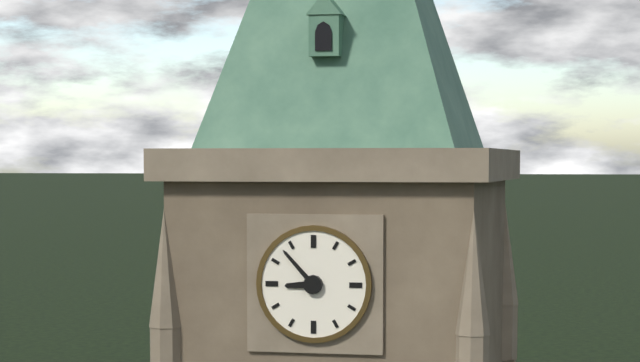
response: 8h53
